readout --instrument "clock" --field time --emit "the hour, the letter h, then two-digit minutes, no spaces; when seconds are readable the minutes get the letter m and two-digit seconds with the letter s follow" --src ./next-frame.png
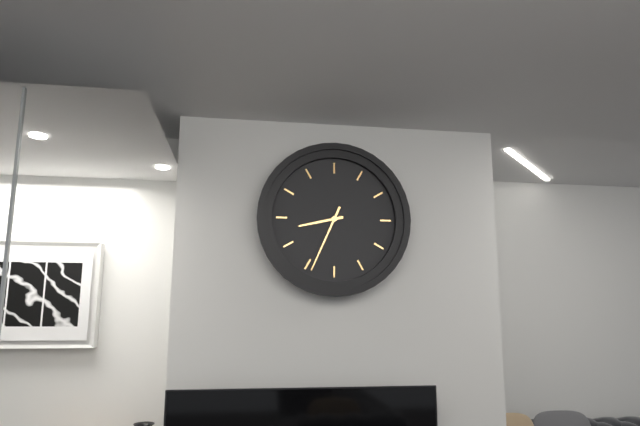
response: 8h34
